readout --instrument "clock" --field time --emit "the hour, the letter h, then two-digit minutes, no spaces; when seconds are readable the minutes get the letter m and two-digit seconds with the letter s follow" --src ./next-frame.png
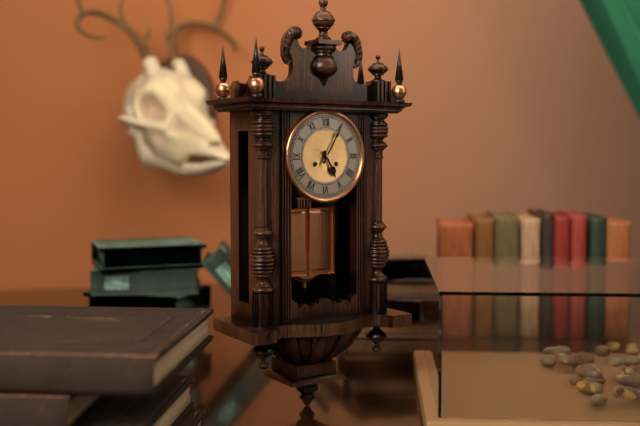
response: 5h05
